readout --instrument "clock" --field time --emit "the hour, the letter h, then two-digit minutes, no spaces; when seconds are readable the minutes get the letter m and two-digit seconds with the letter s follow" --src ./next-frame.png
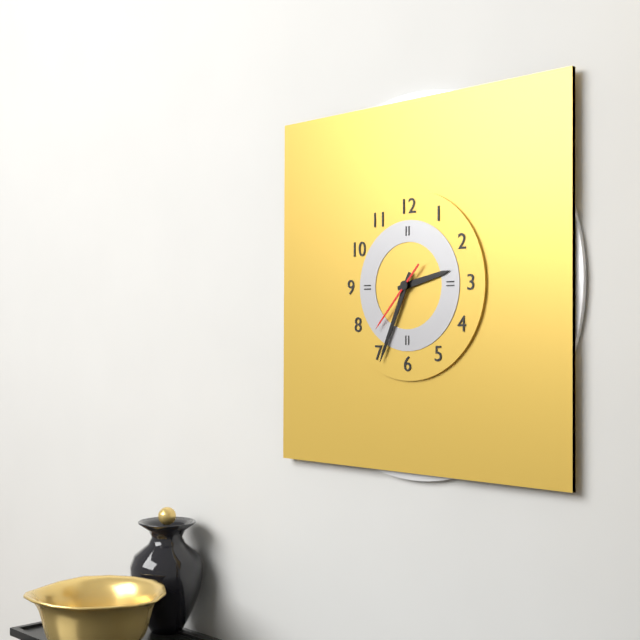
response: 2h34m37s
